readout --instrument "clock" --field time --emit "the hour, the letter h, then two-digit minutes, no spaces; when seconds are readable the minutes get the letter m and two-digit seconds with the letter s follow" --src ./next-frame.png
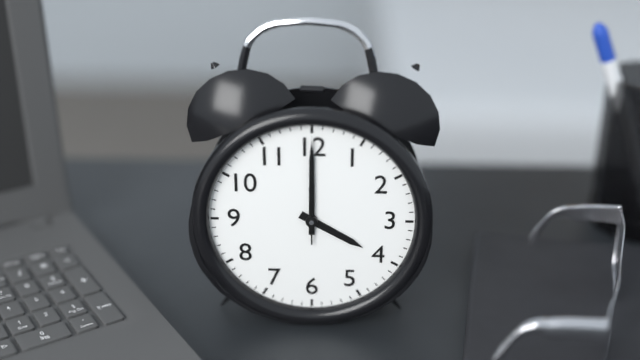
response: 4h00m00s
